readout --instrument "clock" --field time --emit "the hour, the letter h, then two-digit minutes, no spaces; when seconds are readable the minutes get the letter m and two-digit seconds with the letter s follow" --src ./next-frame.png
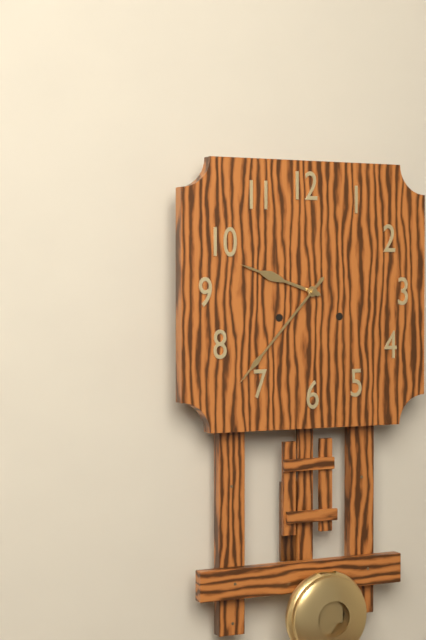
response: 9h37
